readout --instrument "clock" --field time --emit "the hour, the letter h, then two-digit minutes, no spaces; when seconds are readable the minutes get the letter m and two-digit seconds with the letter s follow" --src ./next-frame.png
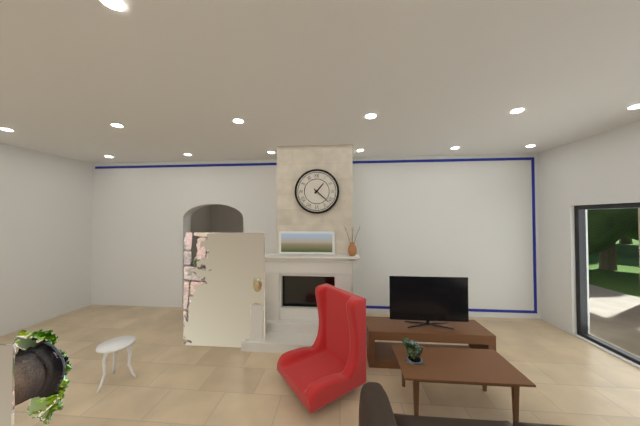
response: 1h22
